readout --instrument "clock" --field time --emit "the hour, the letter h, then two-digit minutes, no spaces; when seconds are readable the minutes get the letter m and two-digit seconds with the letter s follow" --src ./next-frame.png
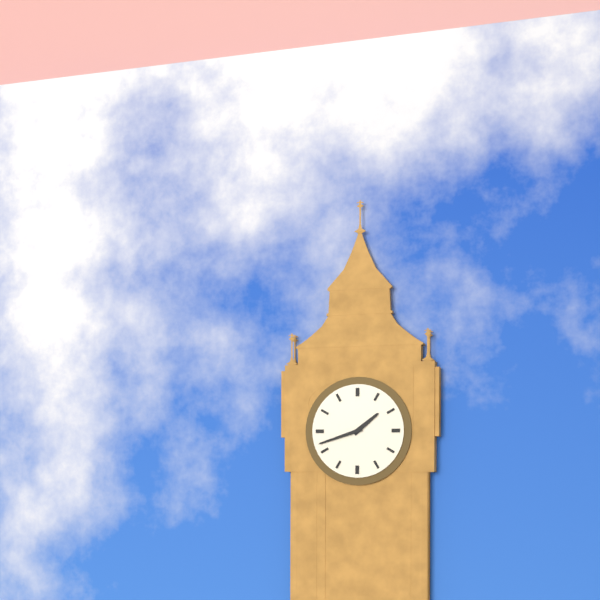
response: 1h42
